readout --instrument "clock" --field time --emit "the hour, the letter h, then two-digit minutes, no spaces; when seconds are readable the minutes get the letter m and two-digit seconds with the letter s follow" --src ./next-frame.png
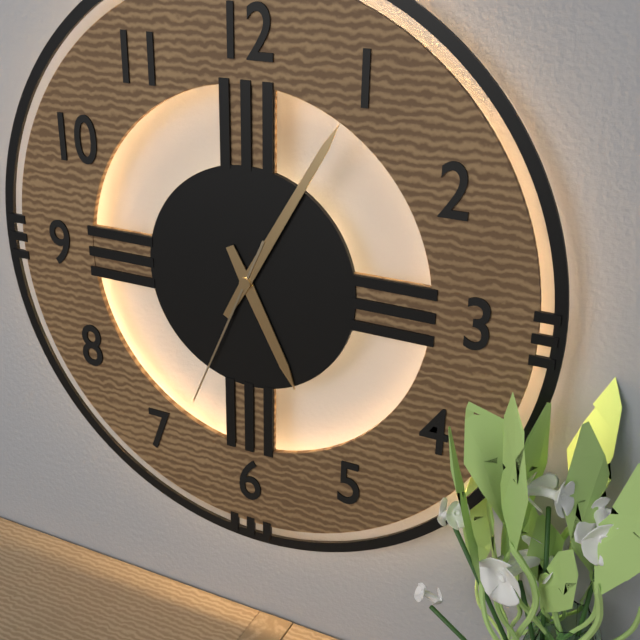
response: 5h05m34s
